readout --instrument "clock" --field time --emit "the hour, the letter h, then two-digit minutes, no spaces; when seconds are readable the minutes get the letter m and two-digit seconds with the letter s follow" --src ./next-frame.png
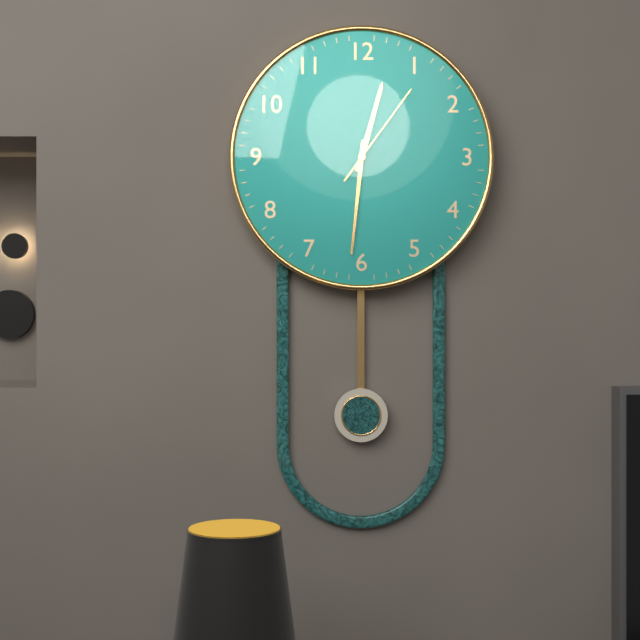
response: 12h31m06s
